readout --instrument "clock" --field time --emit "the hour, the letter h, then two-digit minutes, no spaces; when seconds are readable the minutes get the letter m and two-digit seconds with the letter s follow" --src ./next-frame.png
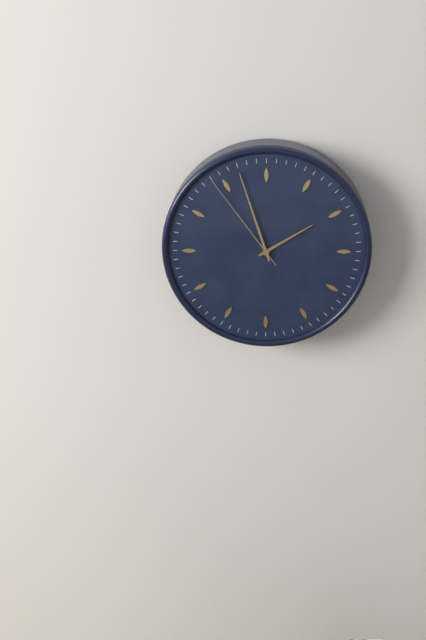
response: 1h57m54s
